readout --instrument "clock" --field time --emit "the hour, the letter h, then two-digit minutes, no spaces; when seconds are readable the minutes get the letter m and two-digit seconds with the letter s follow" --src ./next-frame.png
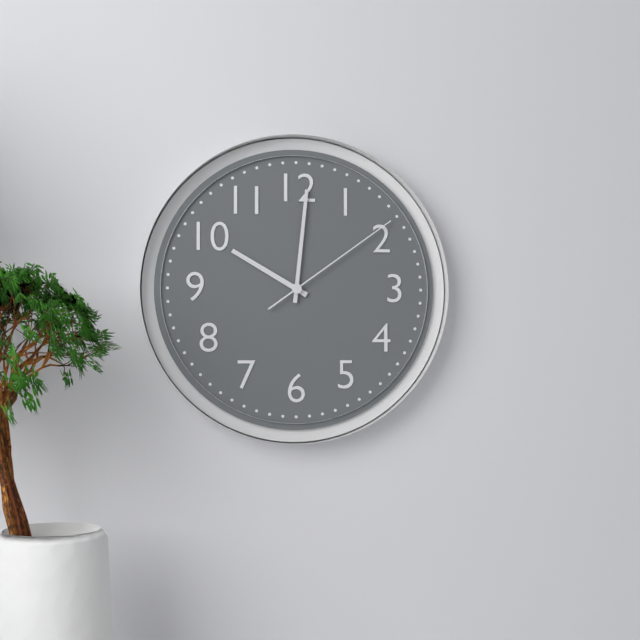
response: 10h01m09s
